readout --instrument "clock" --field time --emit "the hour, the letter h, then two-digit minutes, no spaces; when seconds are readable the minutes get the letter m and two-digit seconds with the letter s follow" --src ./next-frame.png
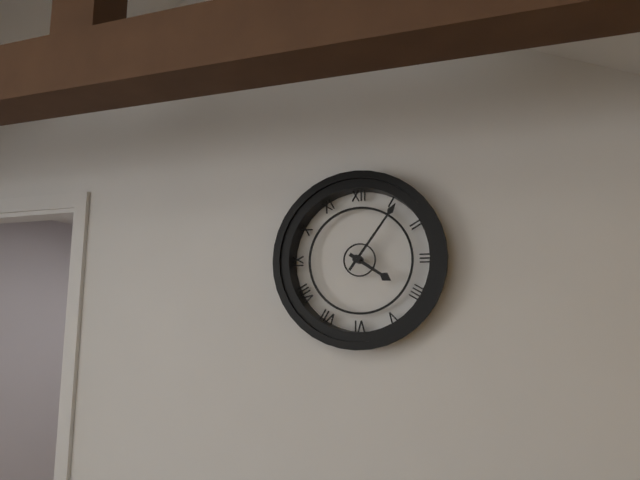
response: 4h06
